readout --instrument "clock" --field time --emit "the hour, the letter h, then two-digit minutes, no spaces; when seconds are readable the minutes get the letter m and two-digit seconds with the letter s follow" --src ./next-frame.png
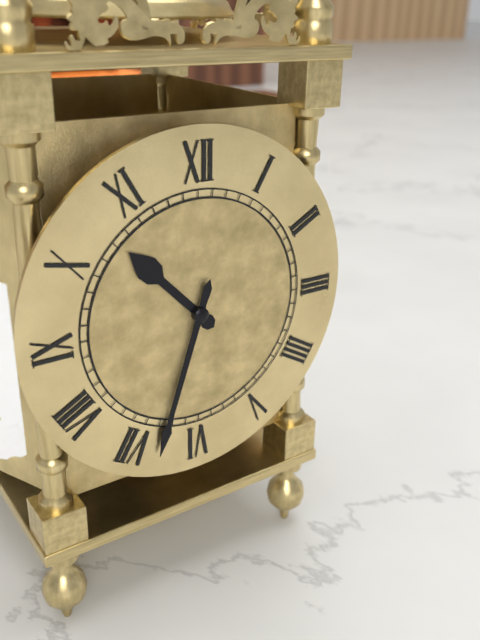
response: 10h33
